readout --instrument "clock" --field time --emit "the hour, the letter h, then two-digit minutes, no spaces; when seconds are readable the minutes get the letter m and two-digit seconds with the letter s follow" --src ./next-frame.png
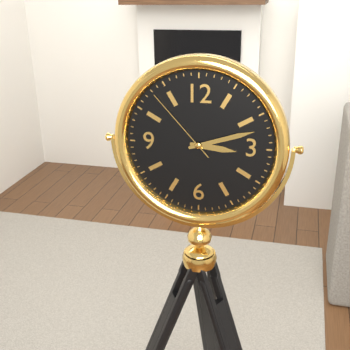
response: 3h12m53s
